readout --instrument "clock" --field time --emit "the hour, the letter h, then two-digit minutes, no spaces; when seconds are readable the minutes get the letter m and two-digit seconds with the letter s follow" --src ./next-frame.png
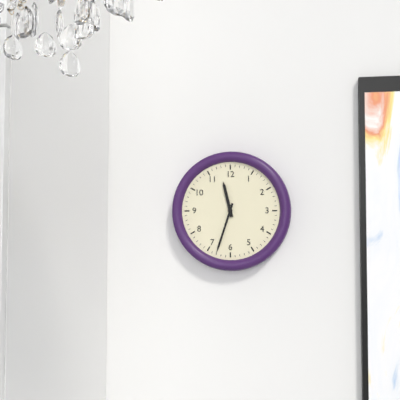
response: 11h33
